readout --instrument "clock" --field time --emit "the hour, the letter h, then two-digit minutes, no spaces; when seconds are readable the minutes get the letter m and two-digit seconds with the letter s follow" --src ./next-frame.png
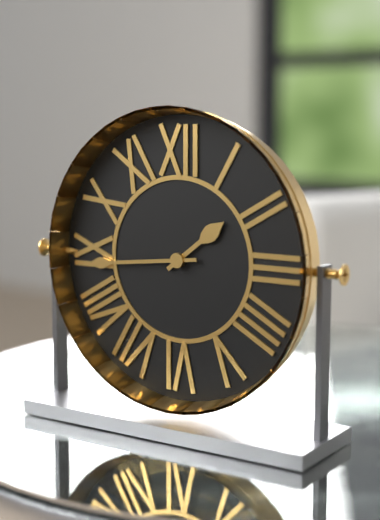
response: 1h44
